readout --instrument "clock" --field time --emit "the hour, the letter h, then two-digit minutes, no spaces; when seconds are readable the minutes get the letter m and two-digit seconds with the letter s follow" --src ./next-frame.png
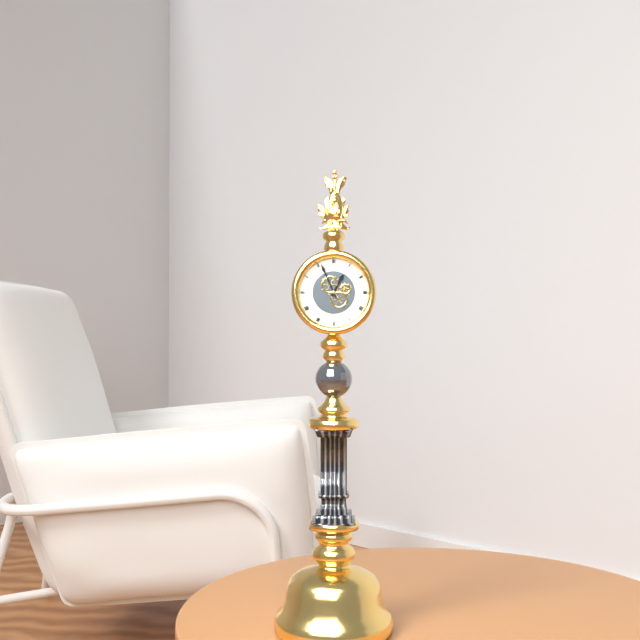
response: 12h56
